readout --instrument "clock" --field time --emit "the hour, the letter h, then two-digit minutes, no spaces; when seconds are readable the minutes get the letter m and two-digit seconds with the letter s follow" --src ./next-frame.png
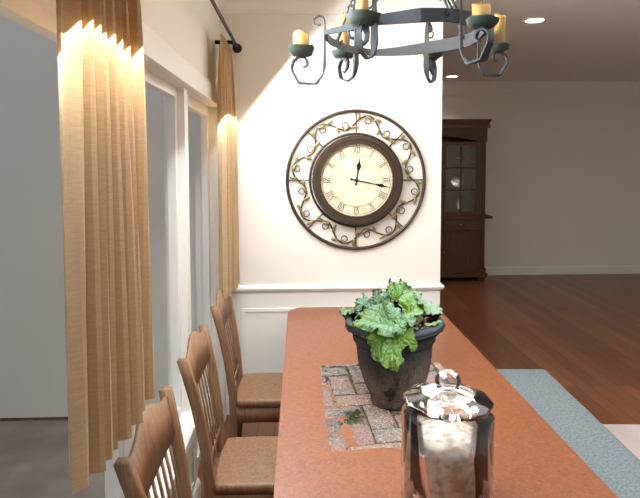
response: 12h17
